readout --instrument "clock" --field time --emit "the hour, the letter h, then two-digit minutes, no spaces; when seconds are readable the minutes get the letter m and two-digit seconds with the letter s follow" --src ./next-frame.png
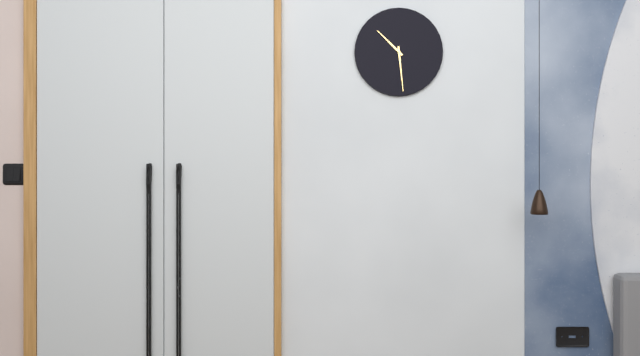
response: 10h29
